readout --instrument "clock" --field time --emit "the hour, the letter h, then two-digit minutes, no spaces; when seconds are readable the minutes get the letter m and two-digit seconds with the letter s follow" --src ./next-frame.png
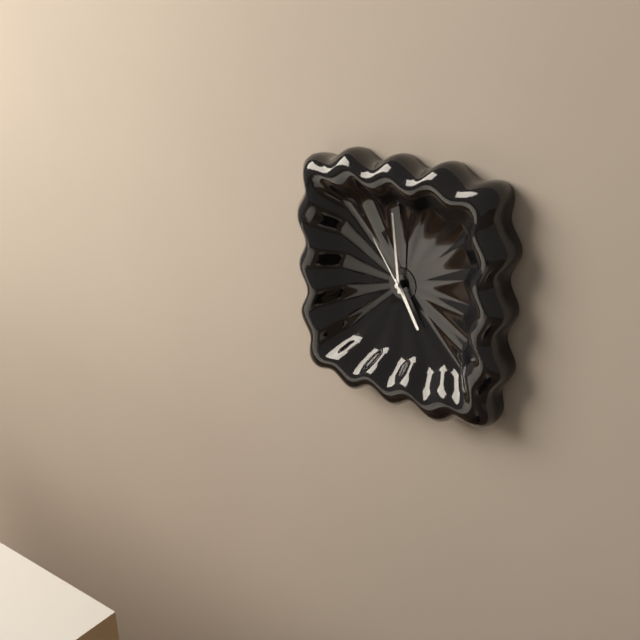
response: 4h59m54s
